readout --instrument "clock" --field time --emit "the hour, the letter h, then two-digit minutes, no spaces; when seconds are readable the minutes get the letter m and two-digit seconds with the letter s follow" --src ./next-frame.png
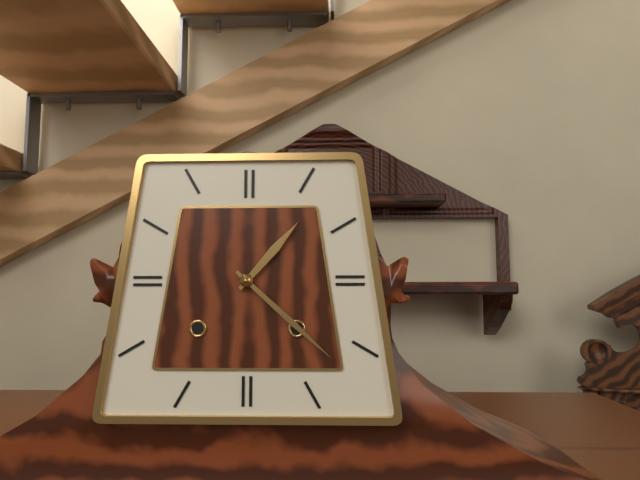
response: 1h22
